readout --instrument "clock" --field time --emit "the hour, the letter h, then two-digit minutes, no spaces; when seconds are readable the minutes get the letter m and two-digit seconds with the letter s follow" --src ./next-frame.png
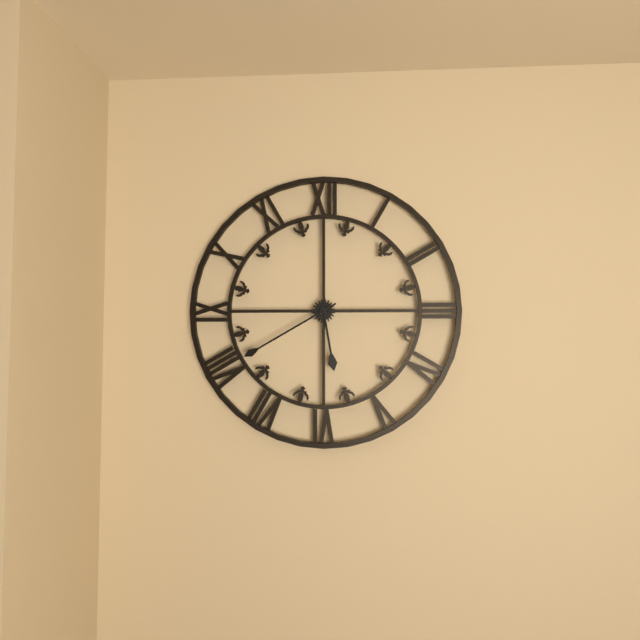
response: 5h40
